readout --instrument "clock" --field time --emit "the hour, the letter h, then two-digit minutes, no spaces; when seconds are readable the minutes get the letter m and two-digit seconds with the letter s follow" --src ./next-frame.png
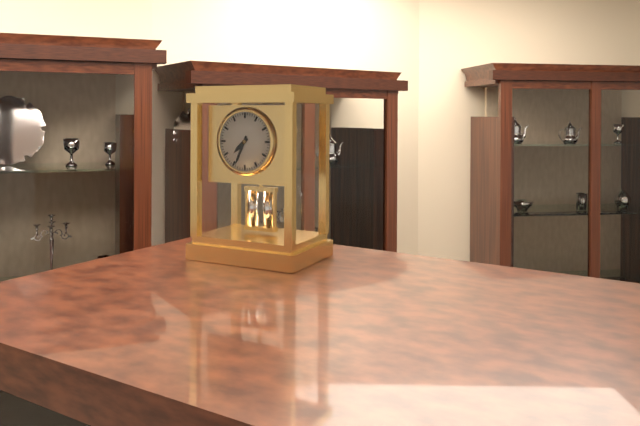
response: 7h34
